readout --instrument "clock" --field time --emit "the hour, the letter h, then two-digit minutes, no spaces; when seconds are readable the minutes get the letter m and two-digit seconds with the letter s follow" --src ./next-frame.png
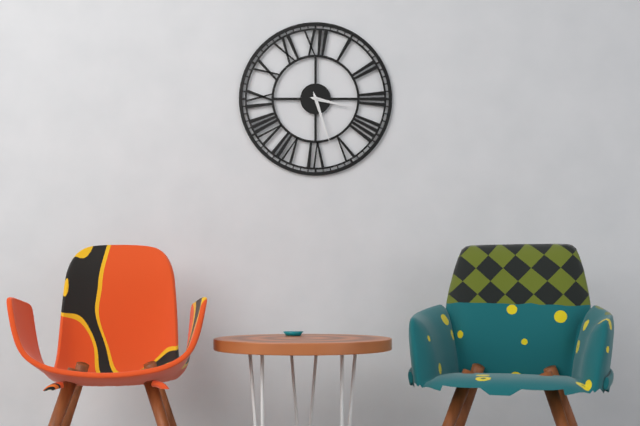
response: 3h27
